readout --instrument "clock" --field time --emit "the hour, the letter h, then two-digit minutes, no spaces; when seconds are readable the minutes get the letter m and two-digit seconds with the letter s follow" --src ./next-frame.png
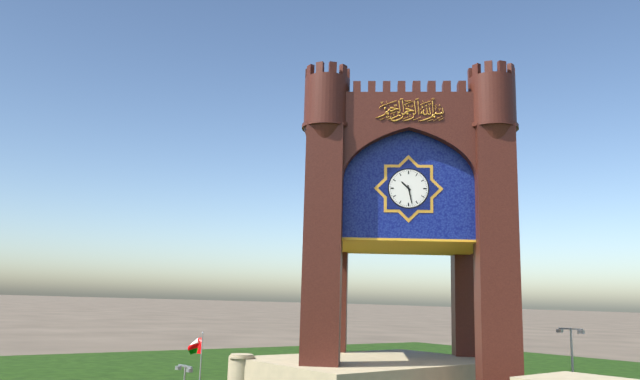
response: 10h28
